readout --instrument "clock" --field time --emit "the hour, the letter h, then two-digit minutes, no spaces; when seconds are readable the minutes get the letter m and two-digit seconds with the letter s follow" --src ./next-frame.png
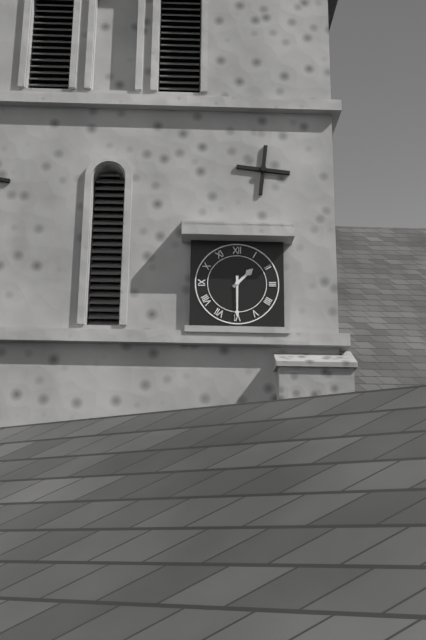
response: 1h30
